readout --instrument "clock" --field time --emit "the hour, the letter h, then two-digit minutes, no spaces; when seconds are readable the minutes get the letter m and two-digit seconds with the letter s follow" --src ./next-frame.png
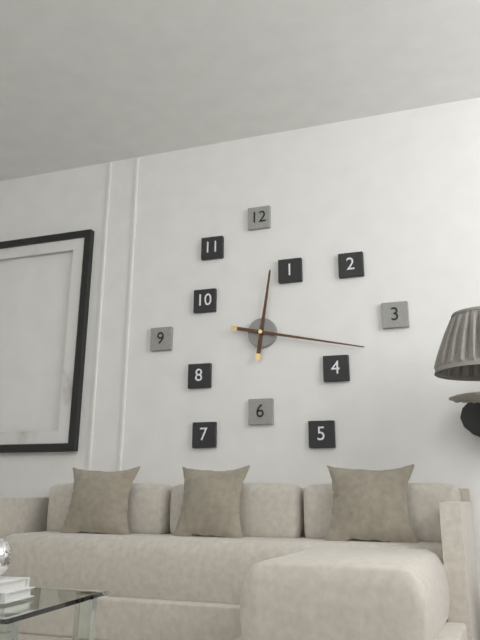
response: 12h17
